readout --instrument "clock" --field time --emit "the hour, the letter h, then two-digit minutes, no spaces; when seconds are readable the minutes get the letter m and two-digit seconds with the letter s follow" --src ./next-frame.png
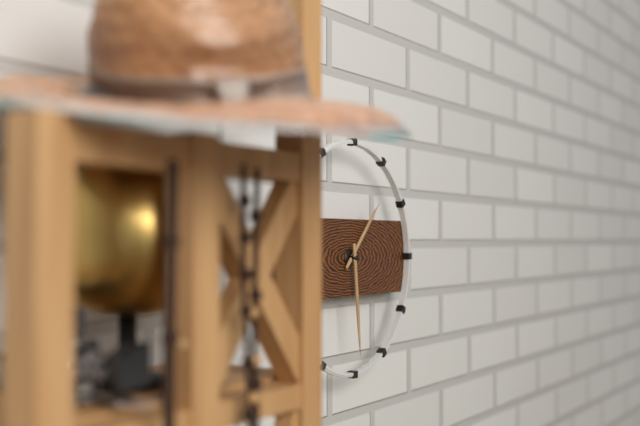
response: 1h29
